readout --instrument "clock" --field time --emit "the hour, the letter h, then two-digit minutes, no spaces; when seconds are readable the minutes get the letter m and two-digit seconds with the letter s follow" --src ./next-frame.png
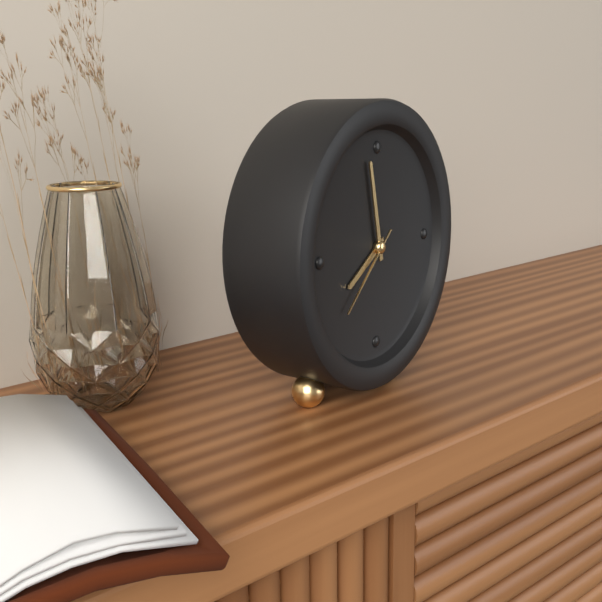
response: 7h58m38s
